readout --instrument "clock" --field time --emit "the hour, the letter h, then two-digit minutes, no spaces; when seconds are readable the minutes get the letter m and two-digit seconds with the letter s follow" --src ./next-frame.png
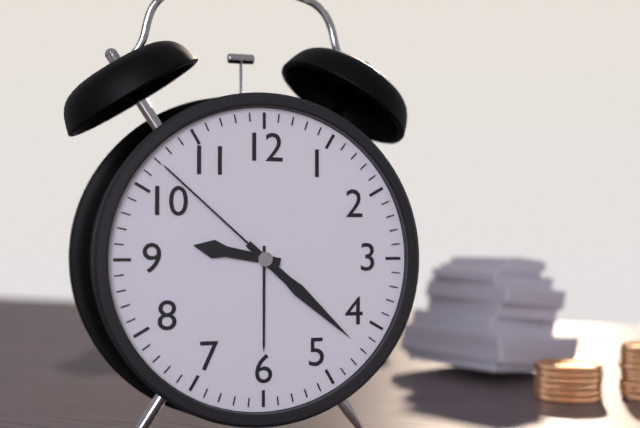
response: 9h22m52s
